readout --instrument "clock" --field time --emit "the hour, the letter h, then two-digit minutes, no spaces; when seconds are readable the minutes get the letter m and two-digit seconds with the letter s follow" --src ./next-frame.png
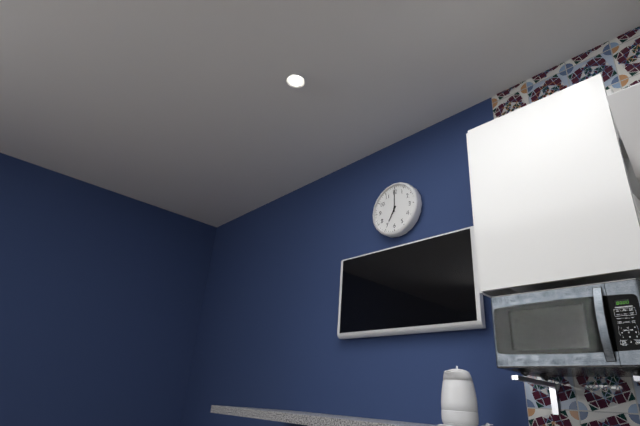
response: 7h00
